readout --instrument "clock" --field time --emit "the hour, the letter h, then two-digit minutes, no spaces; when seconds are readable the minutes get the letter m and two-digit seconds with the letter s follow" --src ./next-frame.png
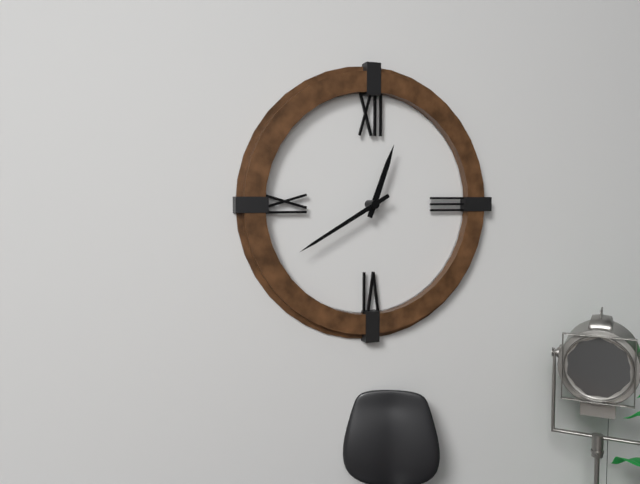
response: 12h40
